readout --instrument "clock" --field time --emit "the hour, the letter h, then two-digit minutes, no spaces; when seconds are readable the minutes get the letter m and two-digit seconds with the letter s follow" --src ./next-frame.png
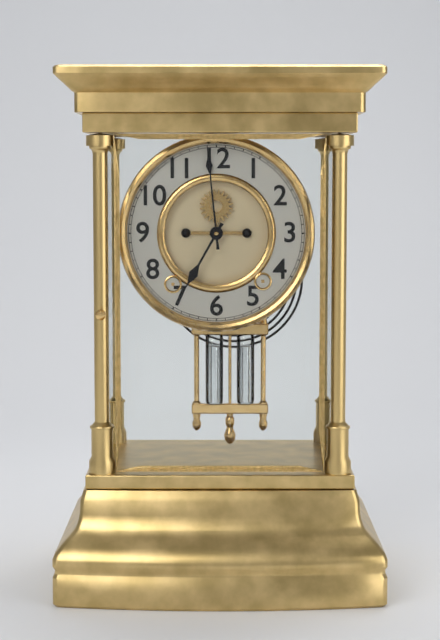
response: 6h59
